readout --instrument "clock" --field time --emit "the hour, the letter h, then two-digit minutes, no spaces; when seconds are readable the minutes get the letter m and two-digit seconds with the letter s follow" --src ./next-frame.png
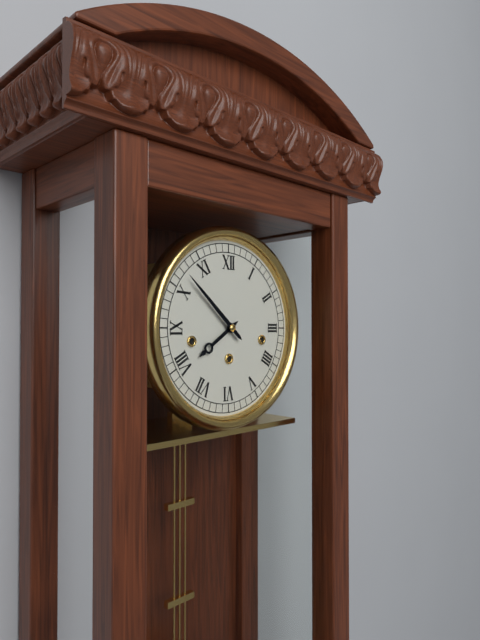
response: 7h52
